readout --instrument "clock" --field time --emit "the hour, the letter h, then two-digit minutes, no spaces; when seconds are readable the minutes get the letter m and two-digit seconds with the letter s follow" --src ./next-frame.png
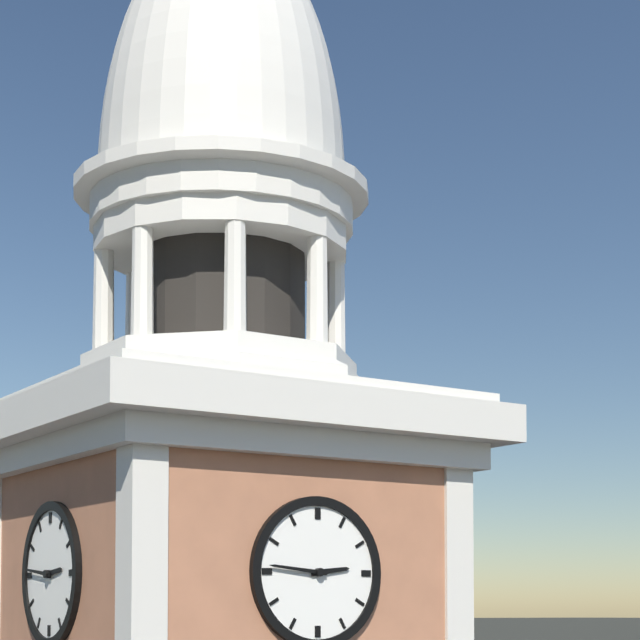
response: 2h46
